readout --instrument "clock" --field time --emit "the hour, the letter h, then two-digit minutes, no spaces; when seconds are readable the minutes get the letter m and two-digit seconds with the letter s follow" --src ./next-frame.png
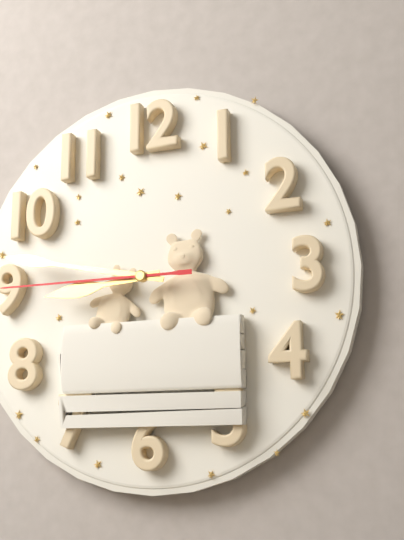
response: 8h47
